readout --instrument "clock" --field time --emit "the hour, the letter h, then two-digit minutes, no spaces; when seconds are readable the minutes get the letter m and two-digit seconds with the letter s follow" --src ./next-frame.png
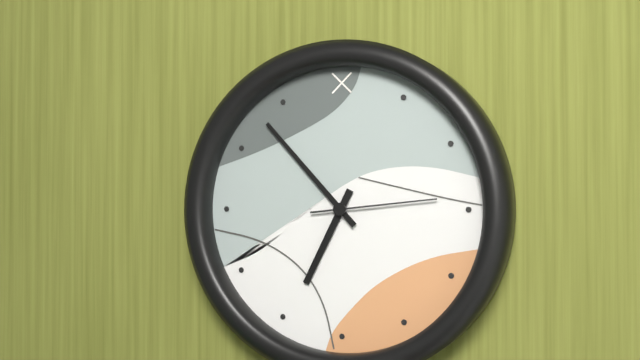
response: 6h53m14s
